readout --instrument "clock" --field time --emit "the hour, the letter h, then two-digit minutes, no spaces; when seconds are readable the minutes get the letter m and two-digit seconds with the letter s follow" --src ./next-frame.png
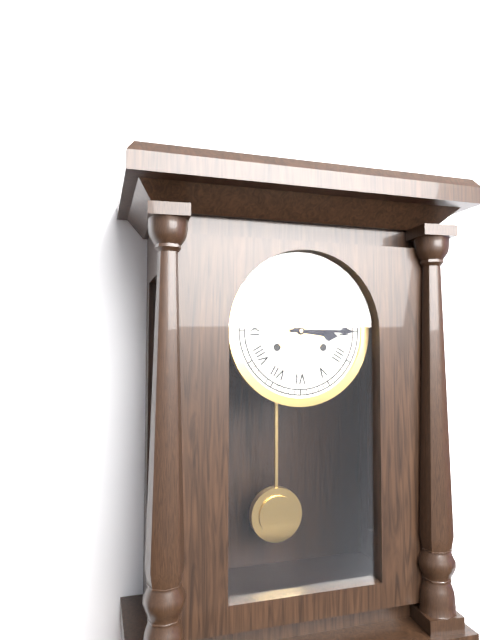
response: 3h15
